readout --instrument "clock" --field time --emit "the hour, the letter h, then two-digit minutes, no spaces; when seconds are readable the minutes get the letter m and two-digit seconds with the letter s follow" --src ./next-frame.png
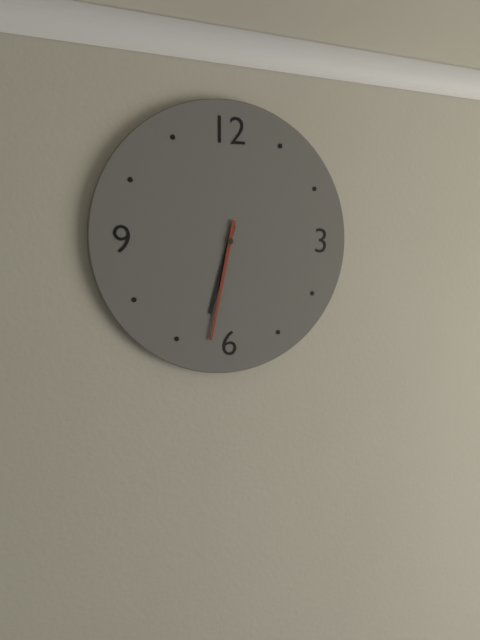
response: 6h32
